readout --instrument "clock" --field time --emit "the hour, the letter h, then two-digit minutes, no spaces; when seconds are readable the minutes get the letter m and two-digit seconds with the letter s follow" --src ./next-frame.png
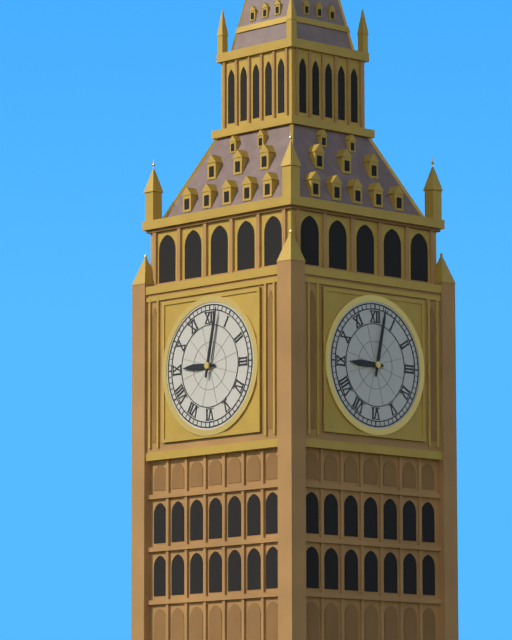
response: 9h02
